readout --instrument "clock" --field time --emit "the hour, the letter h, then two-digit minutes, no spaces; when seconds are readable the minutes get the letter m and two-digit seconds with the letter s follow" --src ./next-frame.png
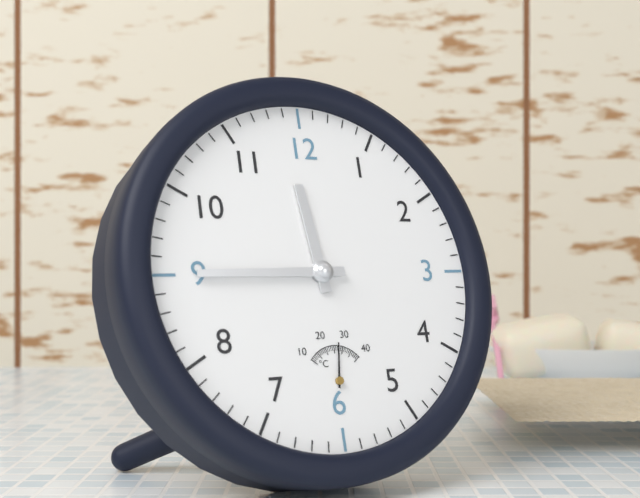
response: 11h45
